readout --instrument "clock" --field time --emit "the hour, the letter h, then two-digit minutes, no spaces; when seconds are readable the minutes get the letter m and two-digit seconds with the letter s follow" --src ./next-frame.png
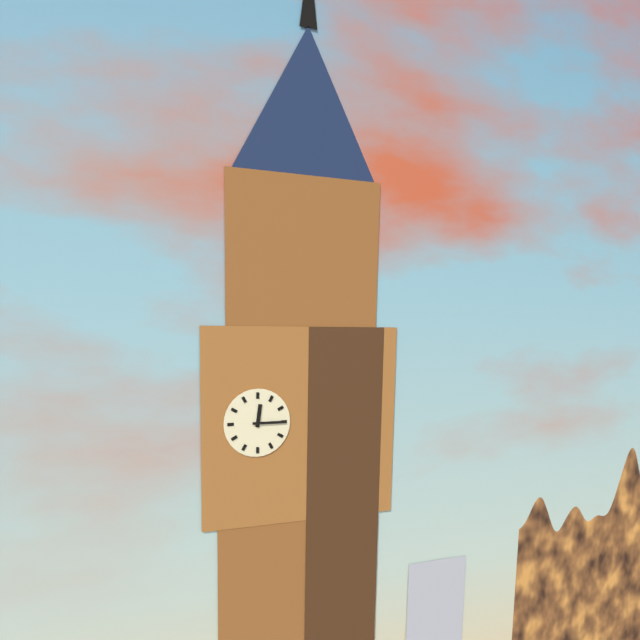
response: 12h15
